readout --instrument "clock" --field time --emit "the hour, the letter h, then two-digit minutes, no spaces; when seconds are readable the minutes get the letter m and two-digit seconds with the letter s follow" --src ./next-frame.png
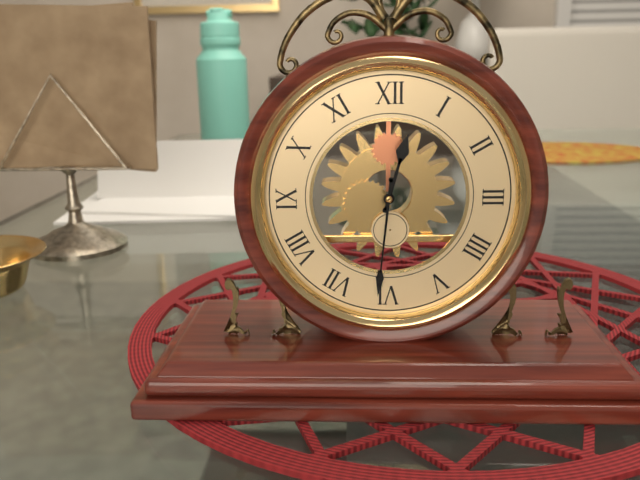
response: 12h31
